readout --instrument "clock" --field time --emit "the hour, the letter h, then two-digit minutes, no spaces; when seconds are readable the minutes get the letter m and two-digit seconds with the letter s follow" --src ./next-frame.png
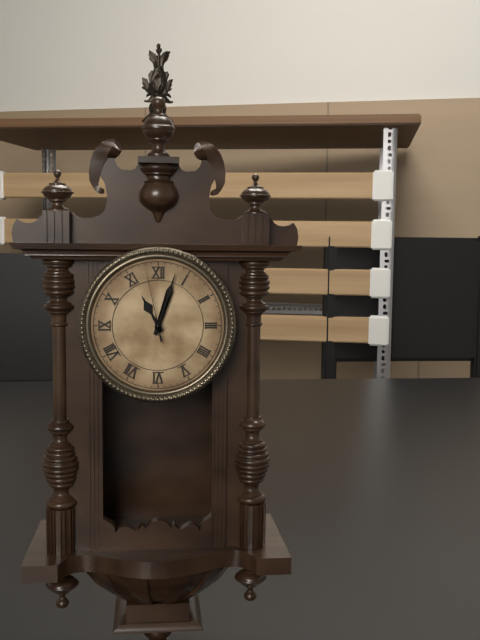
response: 11h03m58s
